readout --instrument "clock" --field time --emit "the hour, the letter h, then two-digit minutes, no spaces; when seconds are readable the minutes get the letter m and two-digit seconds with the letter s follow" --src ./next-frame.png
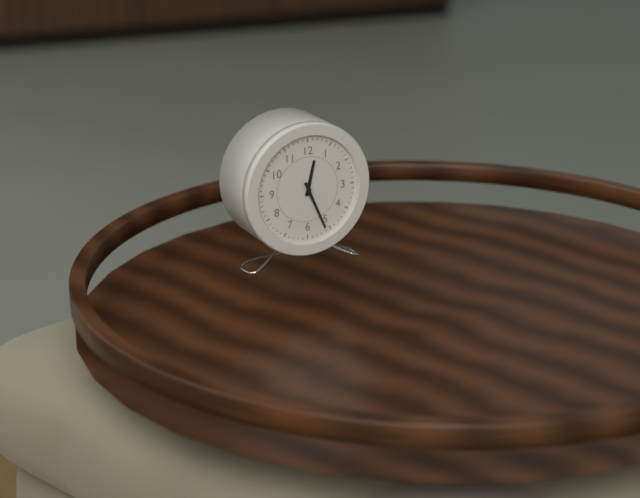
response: 12h26
